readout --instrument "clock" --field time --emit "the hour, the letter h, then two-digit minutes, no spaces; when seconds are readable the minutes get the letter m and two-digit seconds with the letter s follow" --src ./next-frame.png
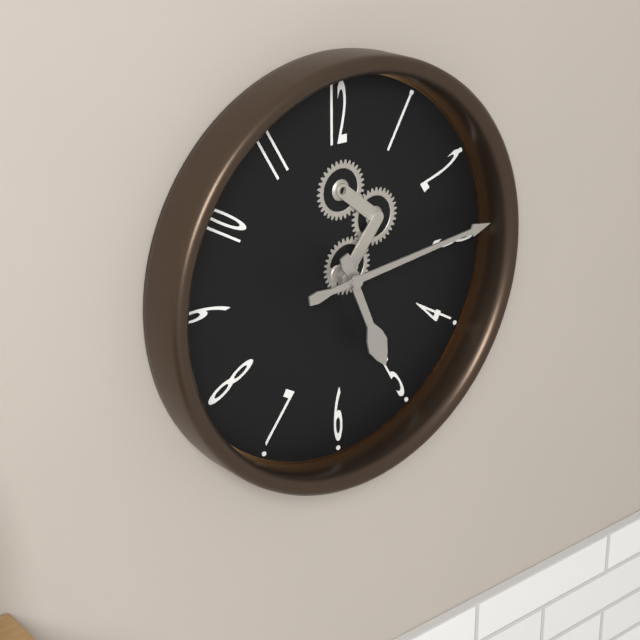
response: 5h14
